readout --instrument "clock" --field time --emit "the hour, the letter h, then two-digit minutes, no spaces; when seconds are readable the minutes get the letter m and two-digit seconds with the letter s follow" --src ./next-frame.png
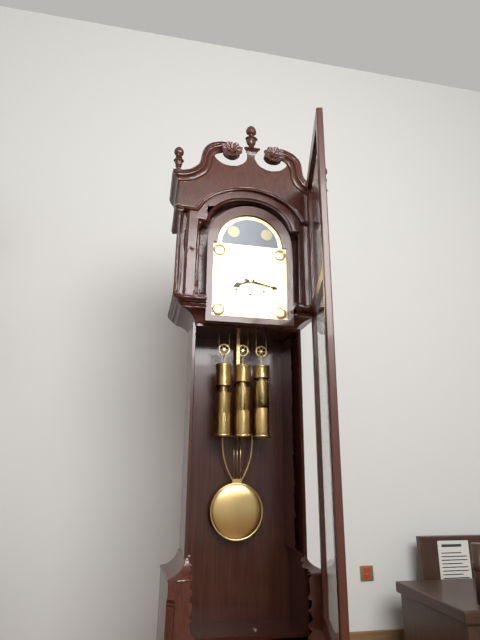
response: 8h17
